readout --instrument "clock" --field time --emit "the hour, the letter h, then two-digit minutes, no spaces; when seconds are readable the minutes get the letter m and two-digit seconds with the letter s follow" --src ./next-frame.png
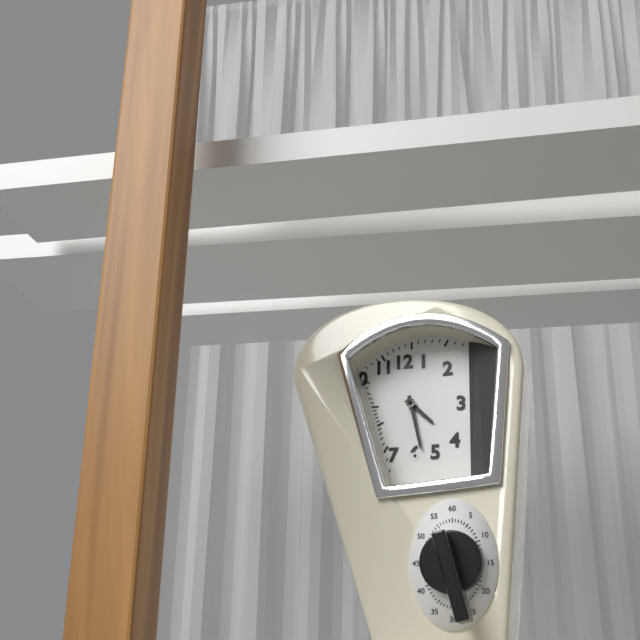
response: 4h28
